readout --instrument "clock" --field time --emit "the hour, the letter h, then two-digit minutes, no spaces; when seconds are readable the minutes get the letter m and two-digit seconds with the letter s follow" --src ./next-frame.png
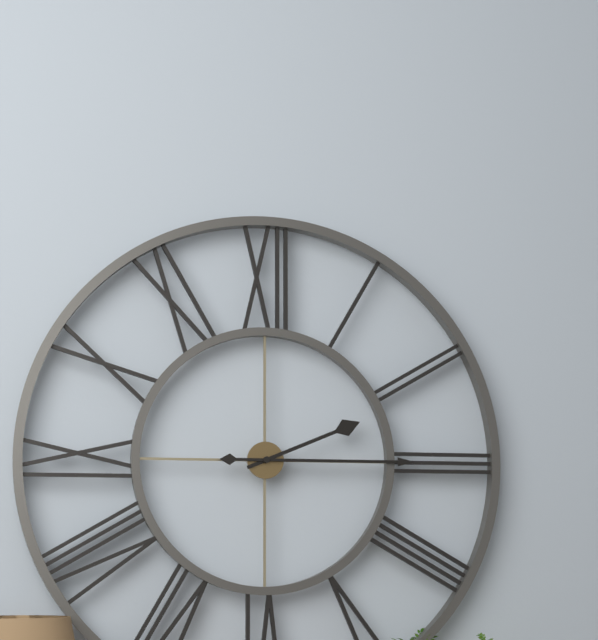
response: 2h15
